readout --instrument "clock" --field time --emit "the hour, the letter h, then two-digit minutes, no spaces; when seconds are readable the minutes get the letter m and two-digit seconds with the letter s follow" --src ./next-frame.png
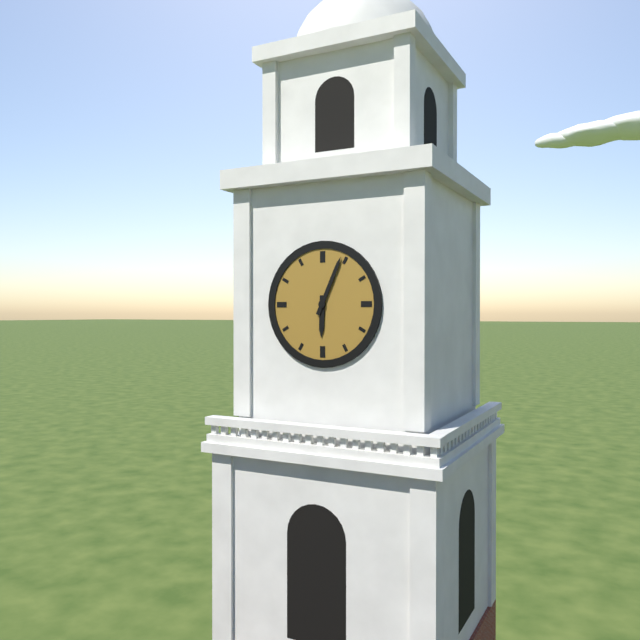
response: 6h04
